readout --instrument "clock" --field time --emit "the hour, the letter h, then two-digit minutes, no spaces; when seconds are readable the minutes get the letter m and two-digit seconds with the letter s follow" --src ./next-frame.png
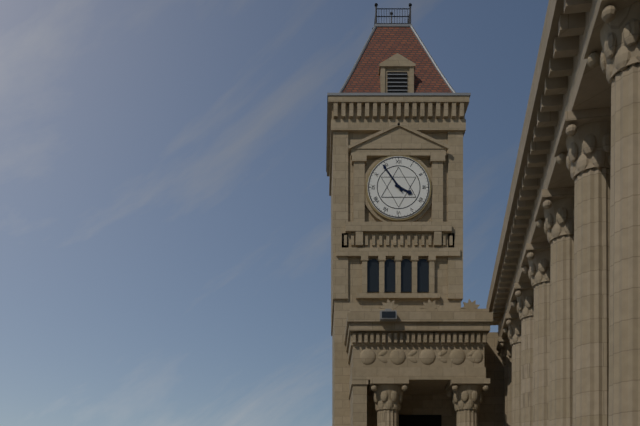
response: 3h54
